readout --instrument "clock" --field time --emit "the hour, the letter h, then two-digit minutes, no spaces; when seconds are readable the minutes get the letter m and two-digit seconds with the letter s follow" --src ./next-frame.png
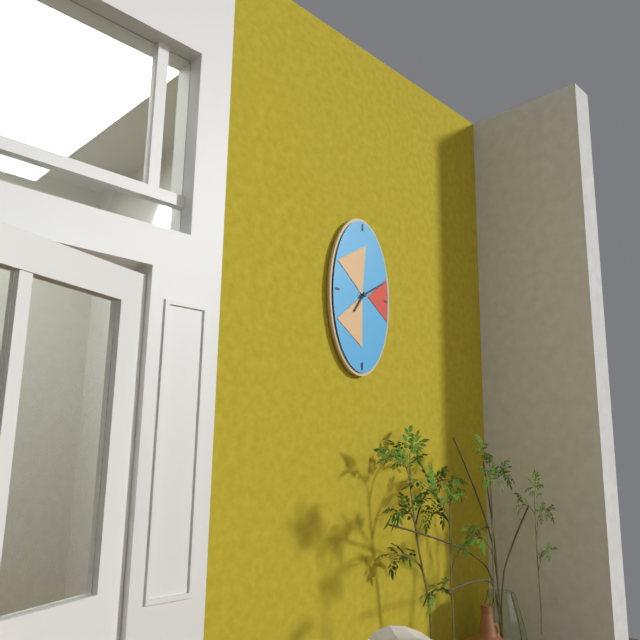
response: 7h10
